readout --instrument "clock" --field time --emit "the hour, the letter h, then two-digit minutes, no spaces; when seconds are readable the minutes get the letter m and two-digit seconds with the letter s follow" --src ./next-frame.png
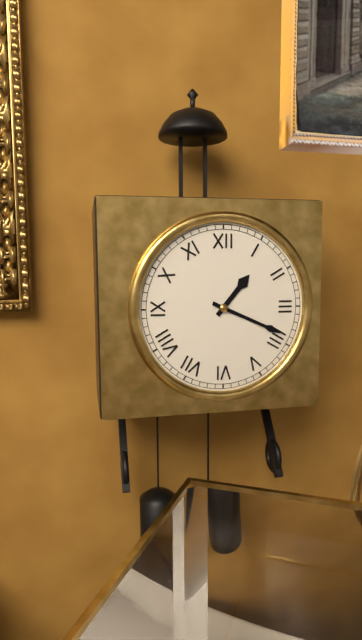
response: 1h19
